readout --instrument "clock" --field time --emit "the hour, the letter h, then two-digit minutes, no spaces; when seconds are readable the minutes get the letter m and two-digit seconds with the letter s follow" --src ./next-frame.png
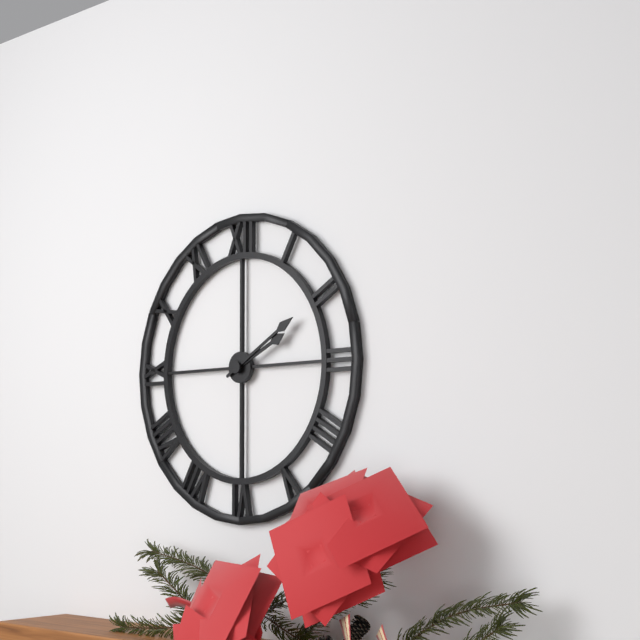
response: 2h10
